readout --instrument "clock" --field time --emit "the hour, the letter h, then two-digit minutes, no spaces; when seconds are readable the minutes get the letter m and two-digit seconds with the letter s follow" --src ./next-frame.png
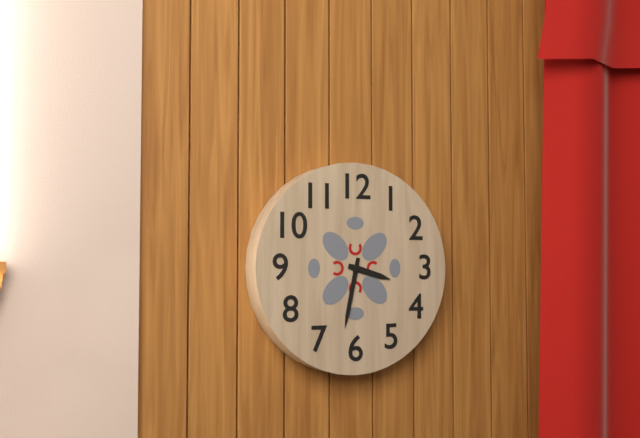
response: 3h32
